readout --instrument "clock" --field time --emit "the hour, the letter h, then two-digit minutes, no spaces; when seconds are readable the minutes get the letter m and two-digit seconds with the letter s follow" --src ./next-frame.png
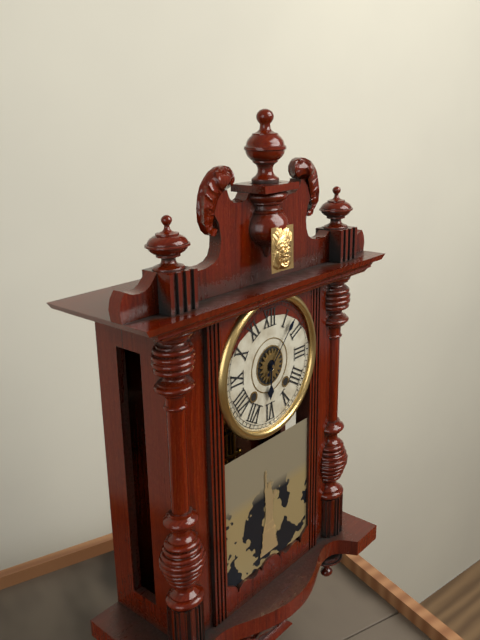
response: 6h07
